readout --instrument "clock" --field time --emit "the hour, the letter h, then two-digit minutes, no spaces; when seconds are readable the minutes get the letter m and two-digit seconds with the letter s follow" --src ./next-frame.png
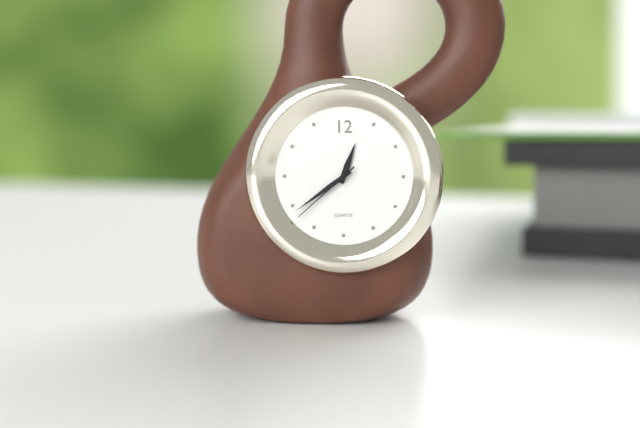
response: 12h39m38s
